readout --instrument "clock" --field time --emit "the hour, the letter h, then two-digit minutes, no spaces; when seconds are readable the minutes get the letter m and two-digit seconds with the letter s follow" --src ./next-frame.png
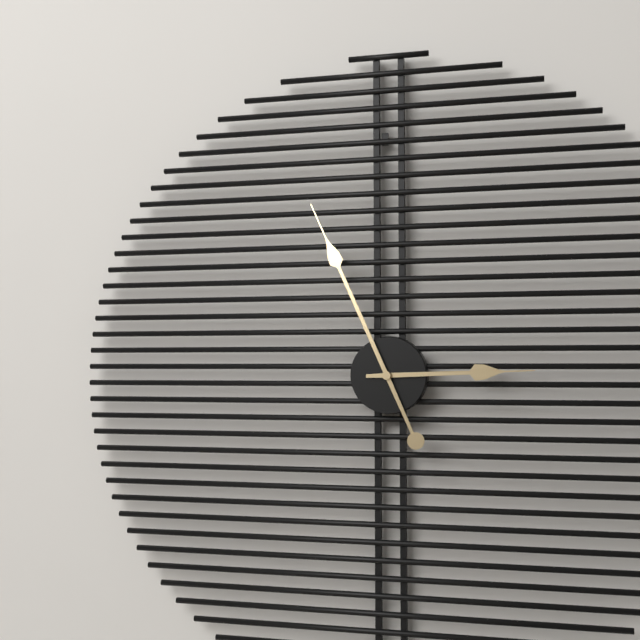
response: 2h56
